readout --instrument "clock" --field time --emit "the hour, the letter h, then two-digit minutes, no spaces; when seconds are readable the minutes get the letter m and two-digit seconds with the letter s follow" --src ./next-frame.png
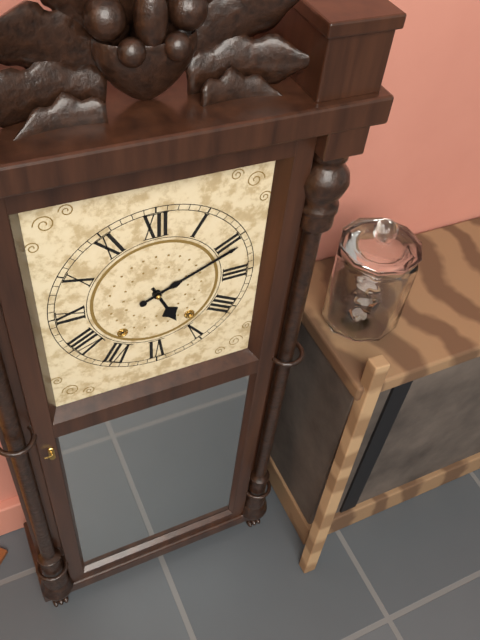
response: 5h11
